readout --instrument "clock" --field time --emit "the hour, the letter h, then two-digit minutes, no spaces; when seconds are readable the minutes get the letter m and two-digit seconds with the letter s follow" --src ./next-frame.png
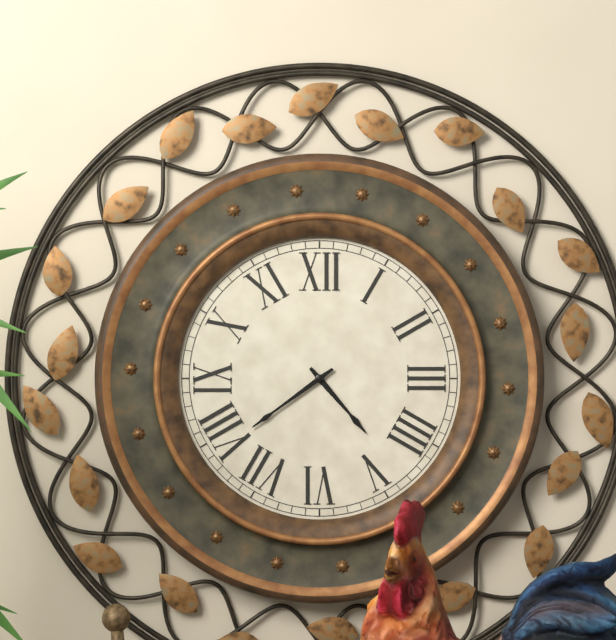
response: 4h39
